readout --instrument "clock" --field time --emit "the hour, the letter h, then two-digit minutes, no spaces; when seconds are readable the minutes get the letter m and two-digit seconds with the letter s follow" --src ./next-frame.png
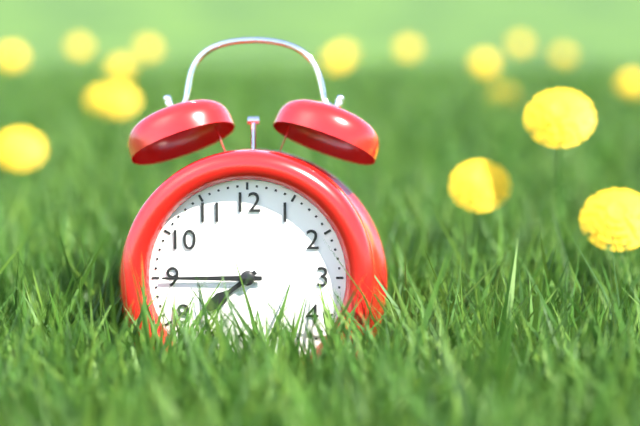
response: 7h45
